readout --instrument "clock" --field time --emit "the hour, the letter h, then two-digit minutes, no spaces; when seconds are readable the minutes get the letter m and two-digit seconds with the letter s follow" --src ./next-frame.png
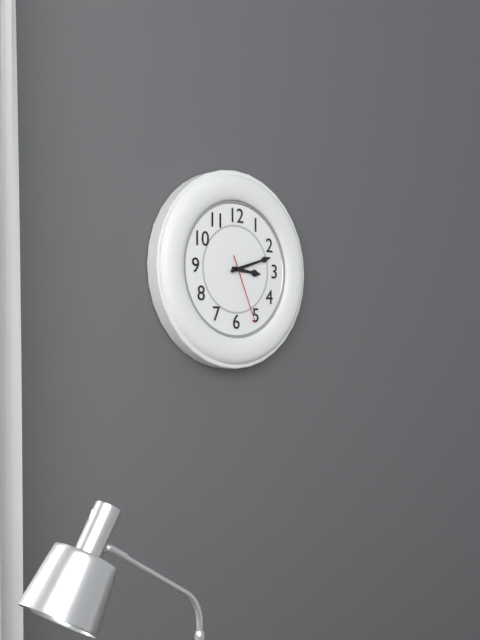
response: 3h12m26s
